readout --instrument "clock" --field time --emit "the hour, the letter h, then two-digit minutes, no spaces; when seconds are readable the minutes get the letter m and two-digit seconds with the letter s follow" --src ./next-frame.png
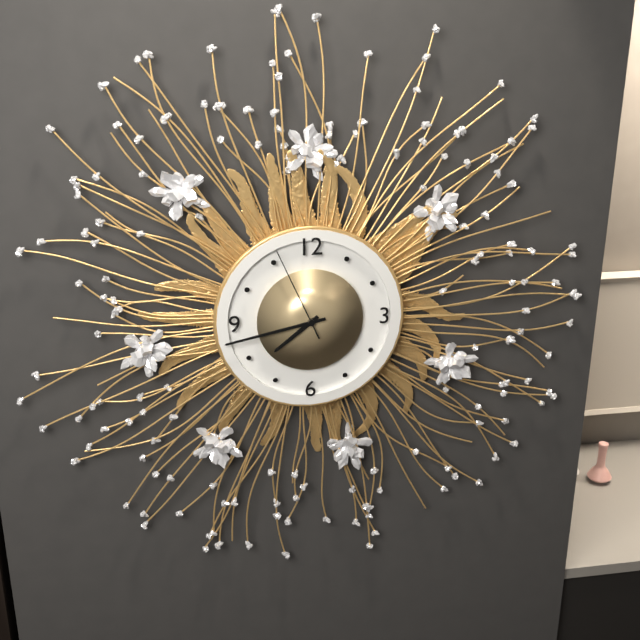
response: 7h43m56s
